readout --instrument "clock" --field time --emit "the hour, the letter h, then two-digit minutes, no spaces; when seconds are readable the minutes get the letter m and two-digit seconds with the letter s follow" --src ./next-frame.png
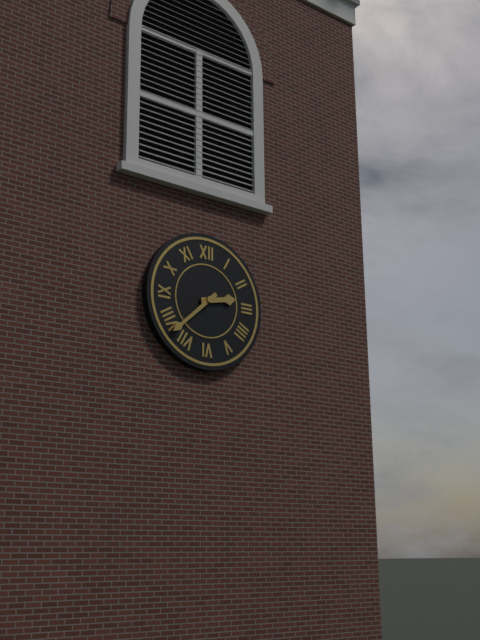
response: 2h38
